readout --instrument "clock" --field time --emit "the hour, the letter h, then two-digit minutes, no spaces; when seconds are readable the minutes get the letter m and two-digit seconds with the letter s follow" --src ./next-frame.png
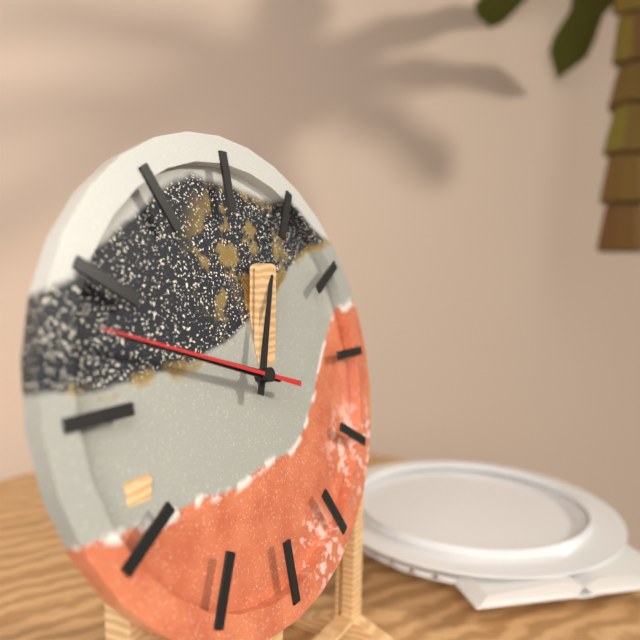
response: 12h48m48s
